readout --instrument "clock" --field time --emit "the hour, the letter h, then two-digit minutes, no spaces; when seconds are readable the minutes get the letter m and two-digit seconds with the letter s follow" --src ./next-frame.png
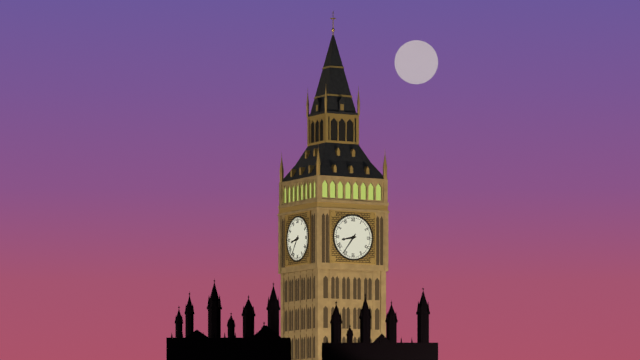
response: 8h36
